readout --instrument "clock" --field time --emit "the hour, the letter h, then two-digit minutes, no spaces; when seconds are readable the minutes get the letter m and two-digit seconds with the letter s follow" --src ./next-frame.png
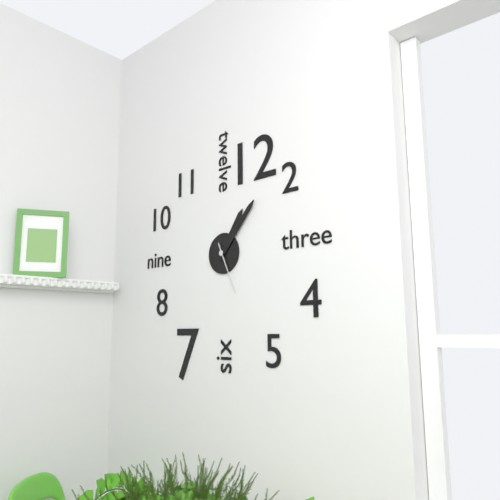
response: 1h07m26s
